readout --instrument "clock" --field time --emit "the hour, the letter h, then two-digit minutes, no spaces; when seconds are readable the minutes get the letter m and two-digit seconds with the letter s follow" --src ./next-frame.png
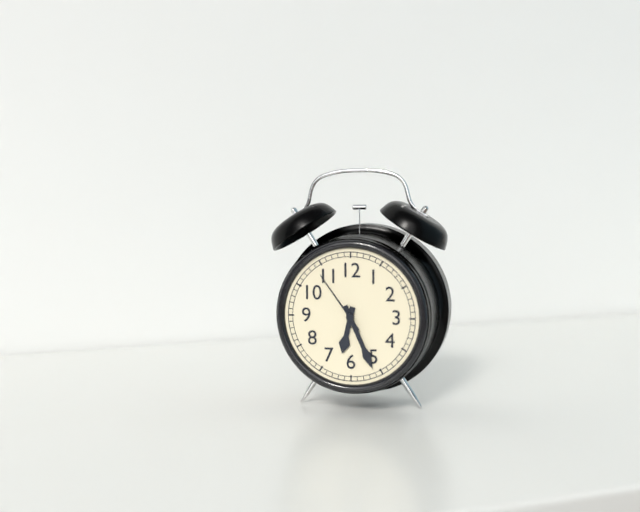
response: 6h26m54s
